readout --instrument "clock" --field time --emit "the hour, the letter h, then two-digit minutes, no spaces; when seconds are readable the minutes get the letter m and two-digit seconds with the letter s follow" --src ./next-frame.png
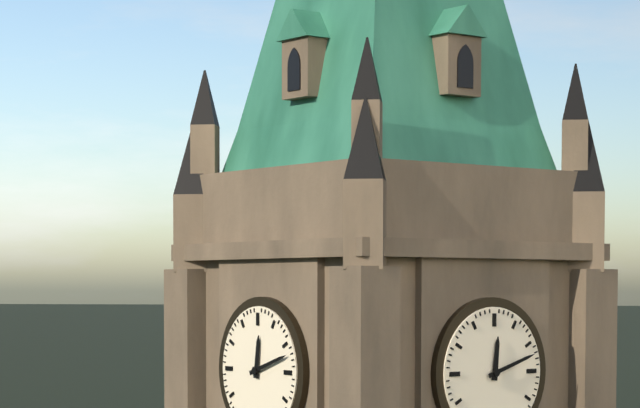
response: 12h12
